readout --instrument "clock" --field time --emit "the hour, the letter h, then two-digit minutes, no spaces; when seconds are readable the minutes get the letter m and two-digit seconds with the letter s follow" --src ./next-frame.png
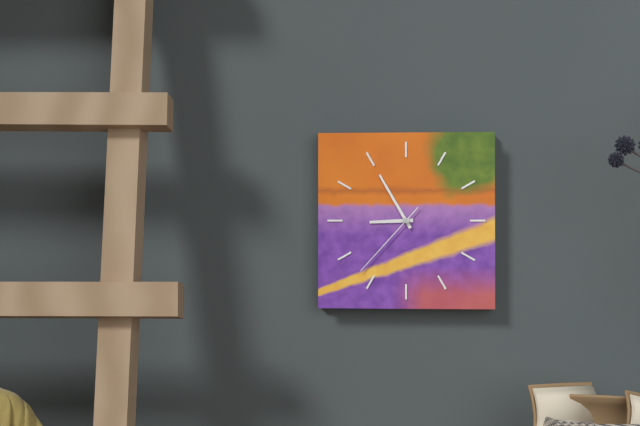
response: 8h55m37s
